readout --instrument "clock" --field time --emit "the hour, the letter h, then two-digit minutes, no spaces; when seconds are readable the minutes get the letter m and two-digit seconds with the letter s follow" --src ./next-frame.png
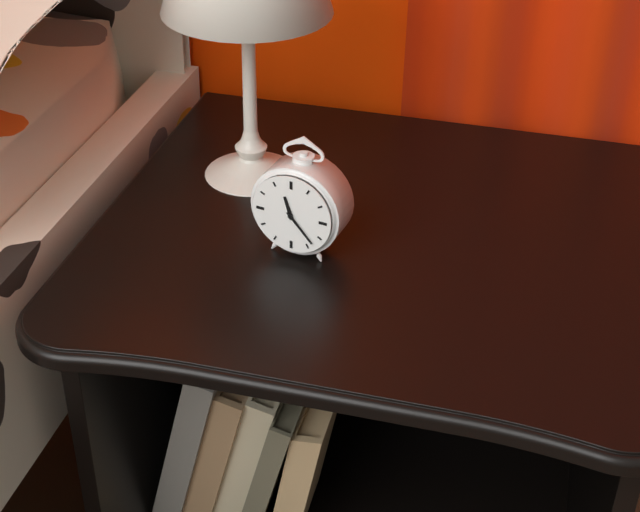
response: 11h23
